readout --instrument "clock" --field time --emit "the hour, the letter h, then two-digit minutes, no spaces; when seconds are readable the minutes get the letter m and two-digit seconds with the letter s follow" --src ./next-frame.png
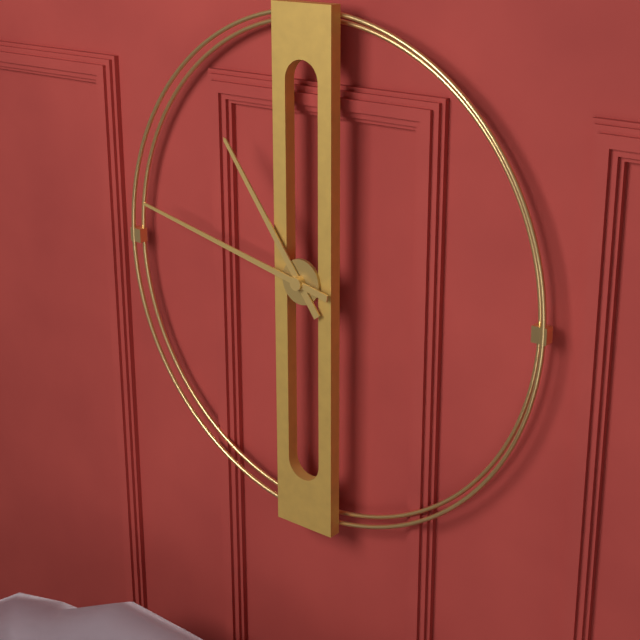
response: 10h47
